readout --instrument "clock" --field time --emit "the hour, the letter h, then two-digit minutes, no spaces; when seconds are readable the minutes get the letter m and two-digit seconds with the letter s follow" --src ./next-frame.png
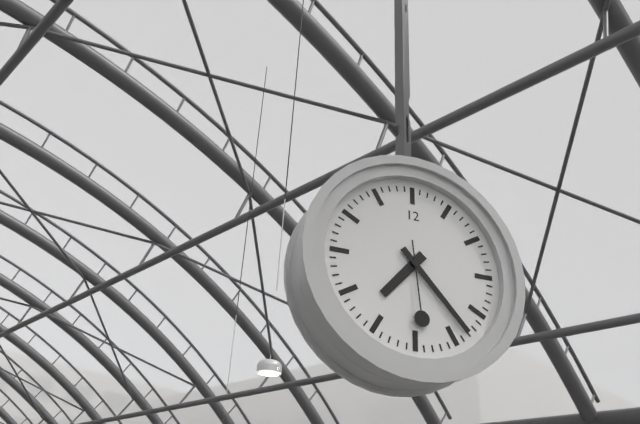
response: 7h23m29s
